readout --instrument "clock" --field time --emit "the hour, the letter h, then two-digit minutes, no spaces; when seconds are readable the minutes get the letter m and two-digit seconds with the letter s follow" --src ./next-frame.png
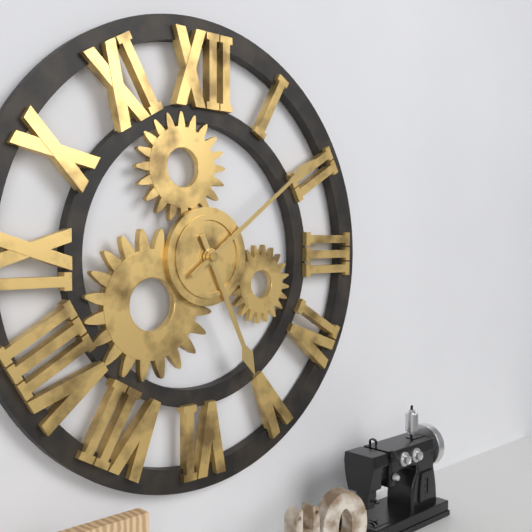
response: 5h09
